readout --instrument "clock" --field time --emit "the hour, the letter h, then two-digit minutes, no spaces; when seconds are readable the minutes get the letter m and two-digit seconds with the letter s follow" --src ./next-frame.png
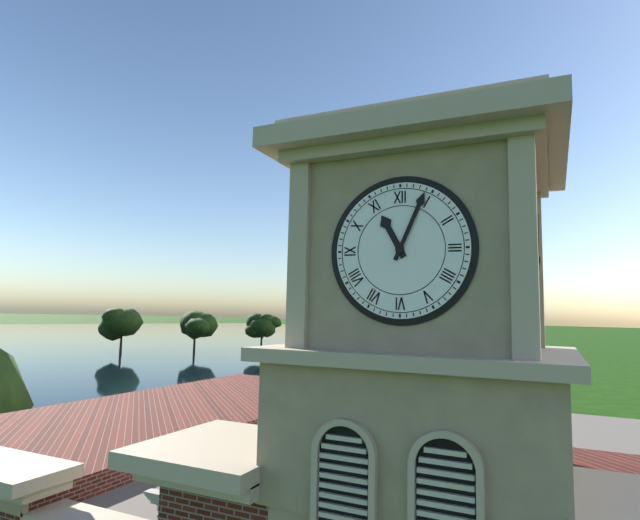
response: 11h04
